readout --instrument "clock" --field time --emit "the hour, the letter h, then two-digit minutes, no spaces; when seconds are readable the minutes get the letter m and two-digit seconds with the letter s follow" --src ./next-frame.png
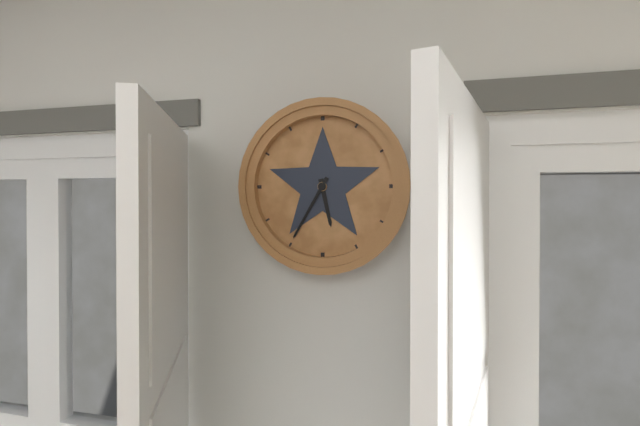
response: 5h35
